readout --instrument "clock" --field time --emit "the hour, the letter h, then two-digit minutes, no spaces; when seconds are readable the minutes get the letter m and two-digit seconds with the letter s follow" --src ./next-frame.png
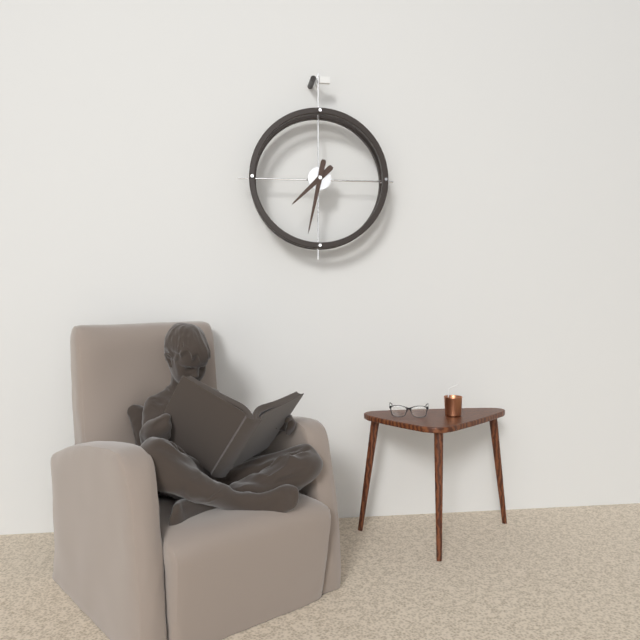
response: 7h32
